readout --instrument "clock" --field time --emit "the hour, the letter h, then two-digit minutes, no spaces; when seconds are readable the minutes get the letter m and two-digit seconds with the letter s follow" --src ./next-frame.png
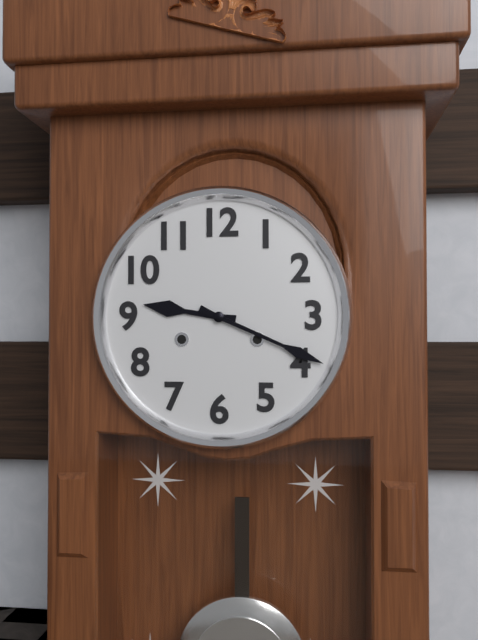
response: 9h19
